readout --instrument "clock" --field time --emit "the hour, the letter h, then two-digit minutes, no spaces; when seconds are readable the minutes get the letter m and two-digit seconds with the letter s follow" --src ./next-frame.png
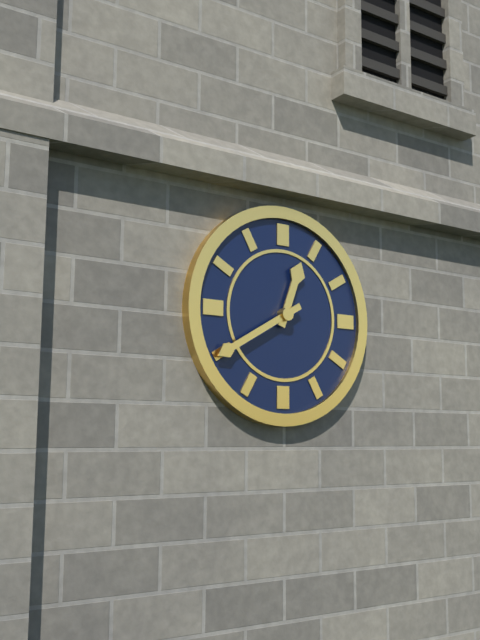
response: 12h40
